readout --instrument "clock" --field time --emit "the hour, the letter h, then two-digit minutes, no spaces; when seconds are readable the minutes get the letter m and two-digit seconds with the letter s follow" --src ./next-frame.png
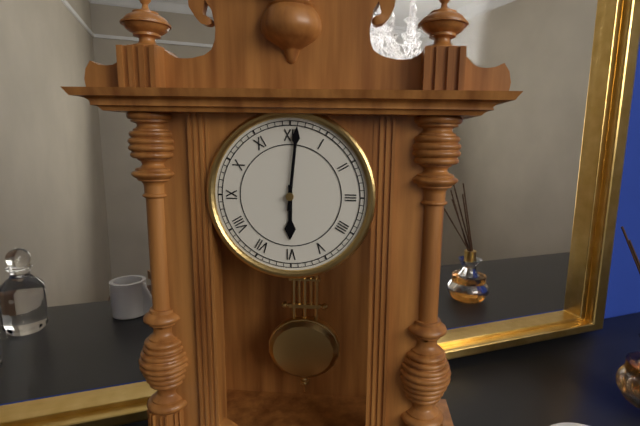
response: 6h01
